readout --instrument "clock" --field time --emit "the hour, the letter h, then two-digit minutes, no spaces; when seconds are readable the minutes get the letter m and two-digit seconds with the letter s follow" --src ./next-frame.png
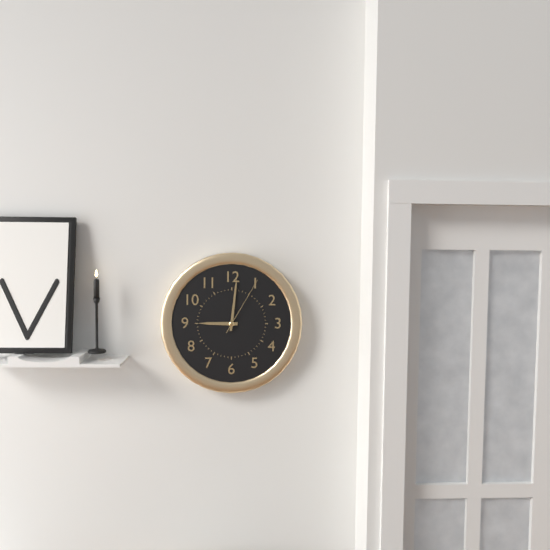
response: 9h01m05s
